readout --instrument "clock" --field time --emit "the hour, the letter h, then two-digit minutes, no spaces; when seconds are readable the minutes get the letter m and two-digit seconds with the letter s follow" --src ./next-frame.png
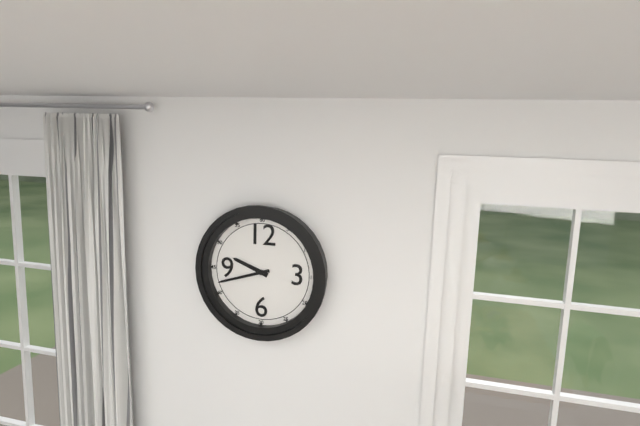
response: 9h42
